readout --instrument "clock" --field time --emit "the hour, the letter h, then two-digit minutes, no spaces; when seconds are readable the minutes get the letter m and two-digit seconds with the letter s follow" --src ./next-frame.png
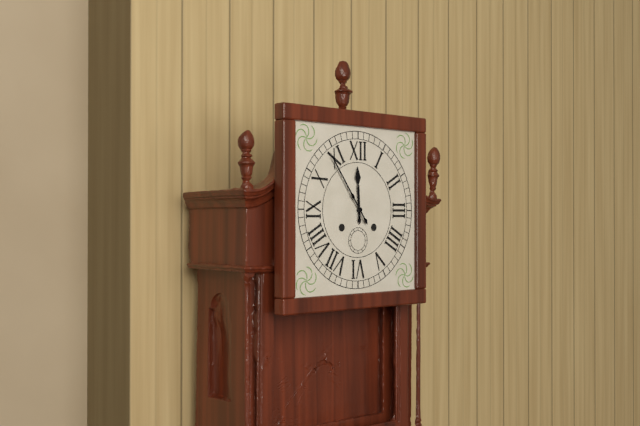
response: 11h54
